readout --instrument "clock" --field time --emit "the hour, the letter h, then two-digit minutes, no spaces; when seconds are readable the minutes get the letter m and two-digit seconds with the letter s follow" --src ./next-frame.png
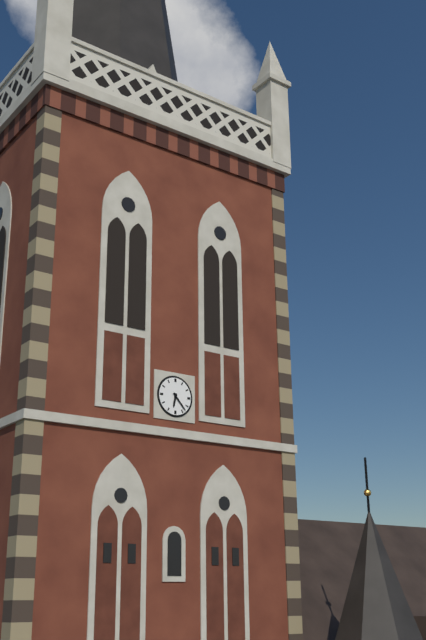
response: 6h23
